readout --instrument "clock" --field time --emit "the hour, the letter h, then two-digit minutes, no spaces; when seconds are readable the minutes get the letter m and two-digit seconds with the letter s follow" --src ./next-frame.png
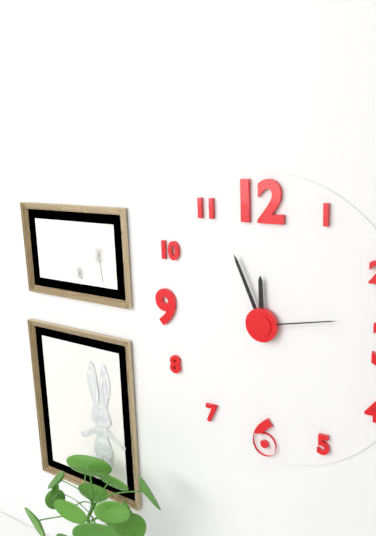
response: 11h56m13s
